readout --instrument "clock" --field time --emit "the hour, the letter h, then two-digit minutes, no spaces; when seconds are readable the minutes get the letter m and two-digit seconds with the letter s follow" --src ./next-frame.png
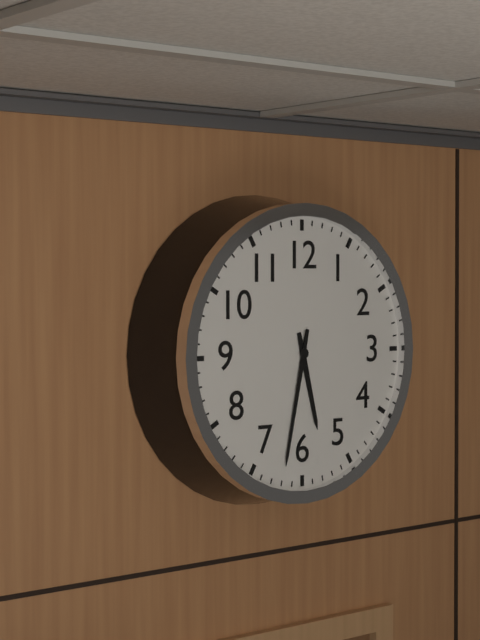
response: 5h32
